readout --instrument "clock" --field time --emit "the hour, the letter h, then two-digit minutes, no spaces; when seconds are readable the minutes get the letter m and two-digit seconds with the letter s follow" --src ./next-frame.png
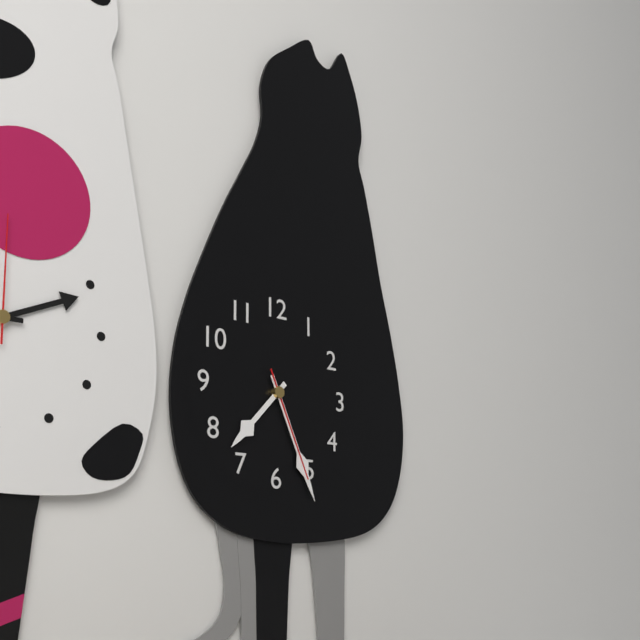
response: 7h26m26s
